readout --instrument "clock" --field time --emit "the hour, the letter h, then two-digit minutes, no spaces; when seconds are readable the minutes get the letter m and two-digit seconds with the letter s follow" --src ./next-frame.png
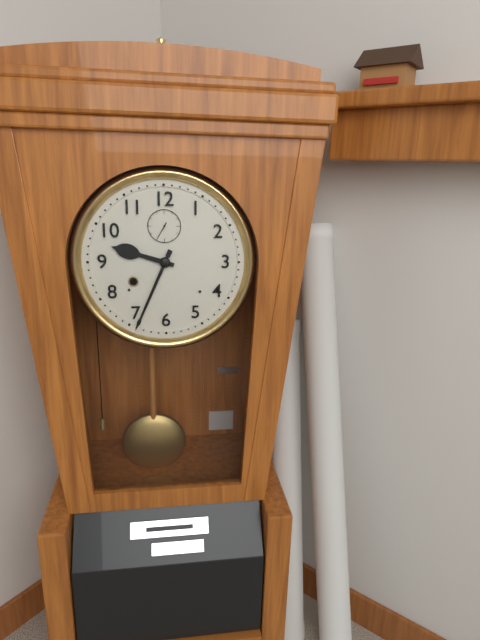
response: 9h34
